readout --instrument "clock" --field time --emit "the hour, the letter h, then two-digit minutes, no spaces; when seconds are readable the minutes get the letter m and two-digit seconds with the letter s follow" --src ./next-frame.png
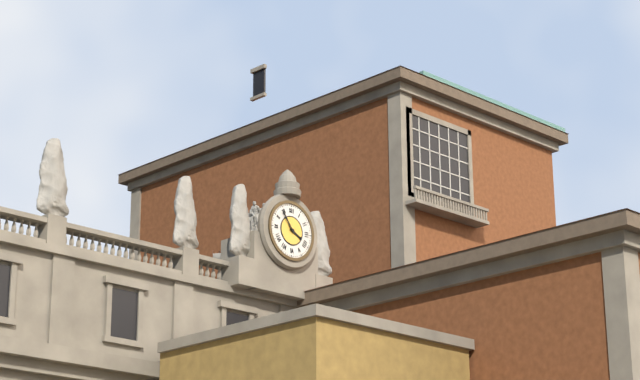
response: 3h54
